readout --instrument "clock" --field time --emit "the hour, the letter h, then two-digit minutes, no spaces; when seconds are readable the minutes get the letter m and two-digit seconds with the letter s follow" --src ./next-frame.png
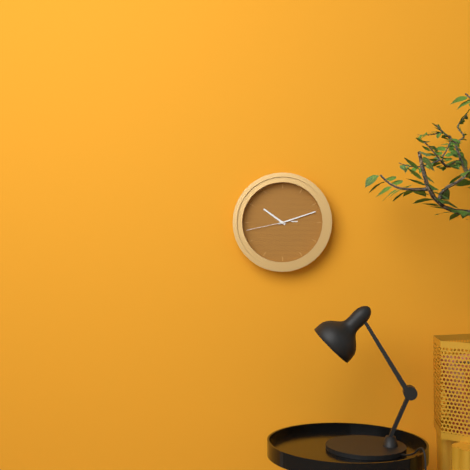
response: 10h12
